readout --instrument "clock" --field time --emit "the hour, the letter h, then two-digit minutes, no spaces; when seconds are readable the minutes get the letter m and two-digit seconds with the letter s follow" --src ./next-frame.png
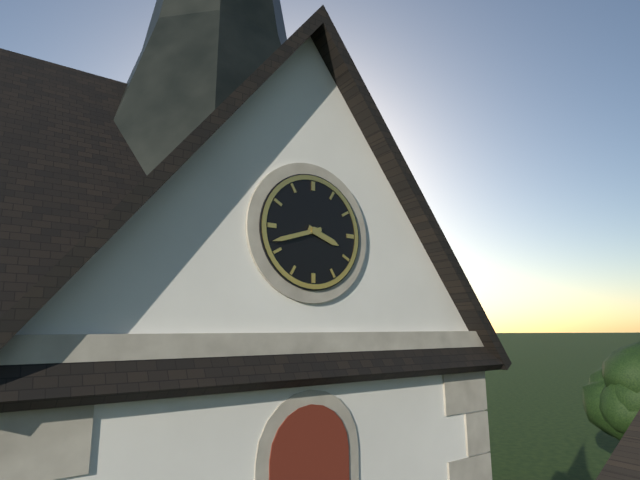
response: 3h42
